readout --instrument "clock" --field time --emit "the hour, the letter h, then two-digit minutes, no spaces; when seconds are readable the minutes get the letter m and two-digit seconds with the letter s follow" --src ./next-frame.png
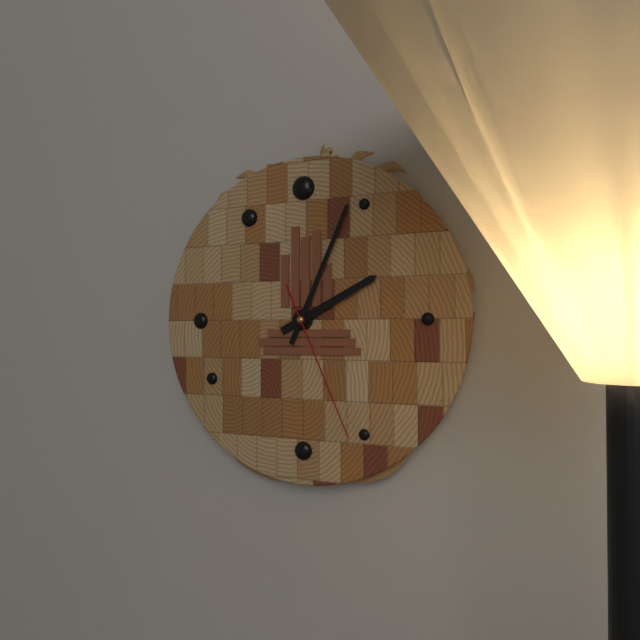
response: 2h04m26s
